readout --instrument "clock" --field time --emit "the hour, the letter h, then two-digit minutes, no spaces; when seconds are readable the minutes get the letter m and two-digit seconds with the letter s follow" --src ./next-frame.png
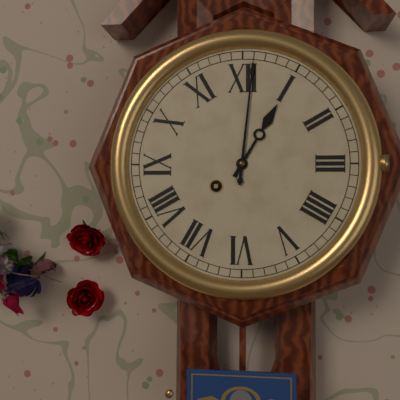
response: 1h01
